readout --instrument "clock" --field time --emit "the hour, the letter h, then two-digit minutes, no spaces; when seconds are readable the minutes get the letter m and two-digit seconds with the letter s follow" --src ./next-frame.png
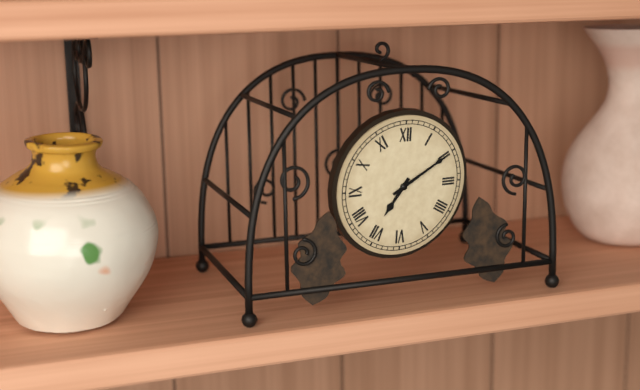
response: 7h10
